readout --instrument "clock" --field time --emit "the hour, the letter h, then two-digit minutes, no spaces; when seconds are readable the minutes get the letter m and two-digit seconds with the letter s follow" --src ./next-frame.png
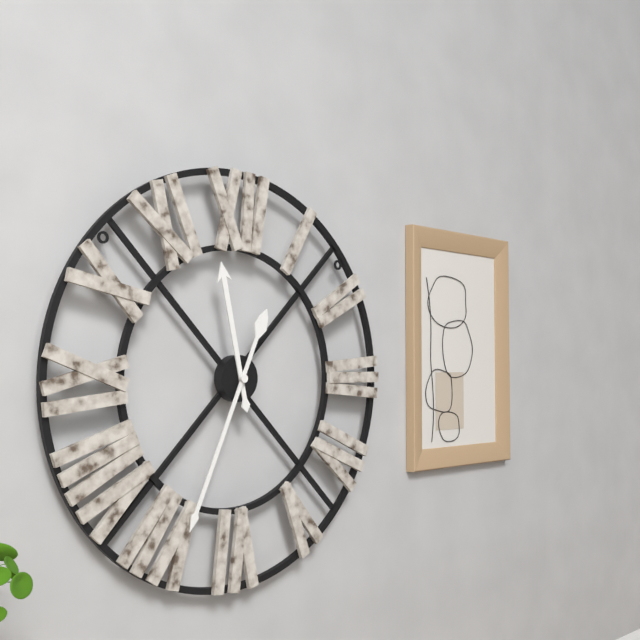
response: 11h34
